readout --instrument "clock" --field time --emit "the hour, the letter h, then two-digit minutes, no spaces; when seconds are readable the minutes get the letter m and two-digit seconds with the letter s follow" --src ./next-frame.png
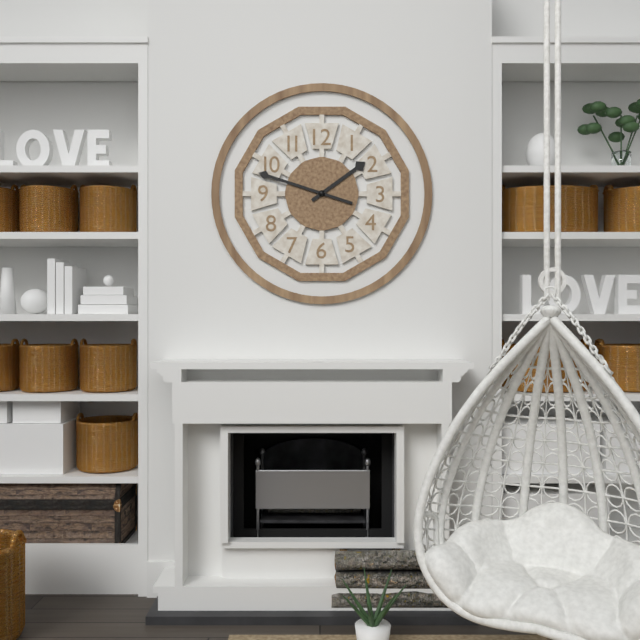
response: 1h48
